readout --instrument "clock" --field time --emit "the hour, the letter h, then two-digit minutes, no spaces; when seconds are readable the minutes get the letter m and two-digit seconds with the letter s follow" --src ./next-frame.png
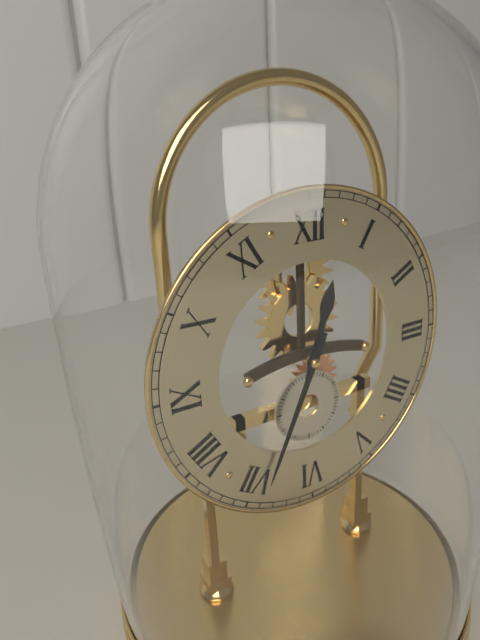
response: 12h34
